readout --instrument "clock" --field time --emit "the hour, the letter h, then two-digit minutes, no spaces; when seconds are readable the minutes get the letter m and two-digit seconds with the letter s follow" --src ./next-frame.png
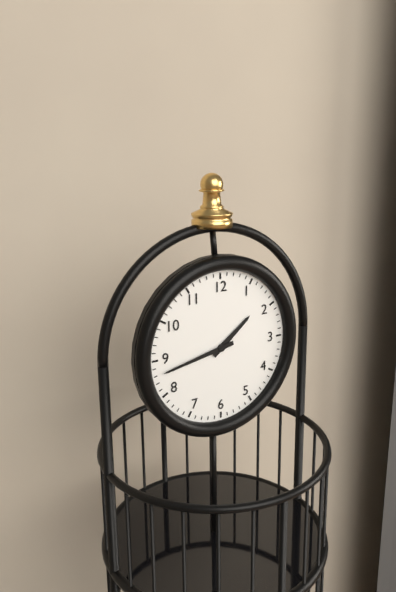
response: 1h43
